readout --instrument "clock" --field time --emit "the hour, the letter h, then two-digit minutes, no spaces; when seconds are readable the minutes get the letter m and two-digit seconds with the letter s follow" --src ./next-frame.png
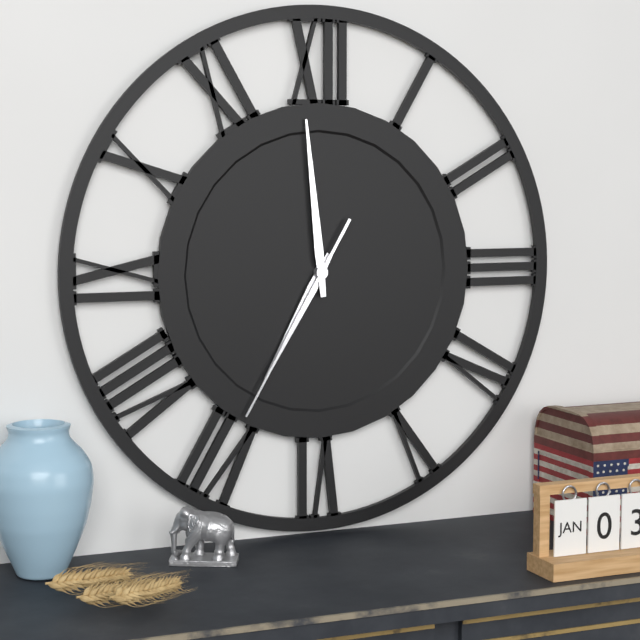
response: 6h59m35s
